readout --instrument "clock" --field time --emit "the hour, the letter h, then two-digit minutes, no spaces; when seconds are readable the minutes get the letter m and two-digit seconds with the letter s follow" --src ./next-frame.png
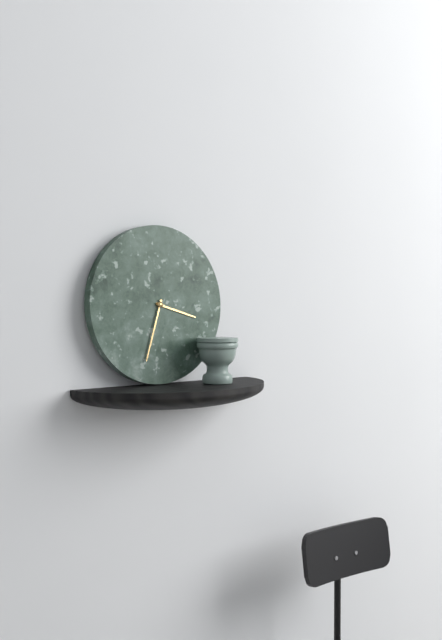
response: 3h33
